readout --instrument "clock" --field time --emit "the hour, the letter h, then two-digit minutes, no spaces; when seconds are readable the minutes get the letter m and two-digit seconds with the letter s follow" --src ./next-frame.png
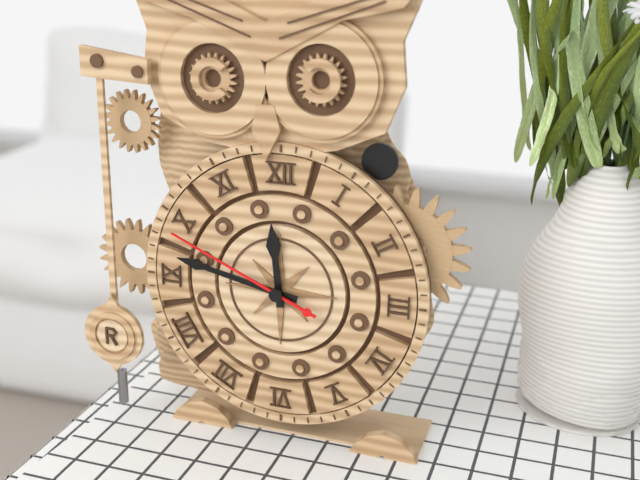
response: 11h47m49s
